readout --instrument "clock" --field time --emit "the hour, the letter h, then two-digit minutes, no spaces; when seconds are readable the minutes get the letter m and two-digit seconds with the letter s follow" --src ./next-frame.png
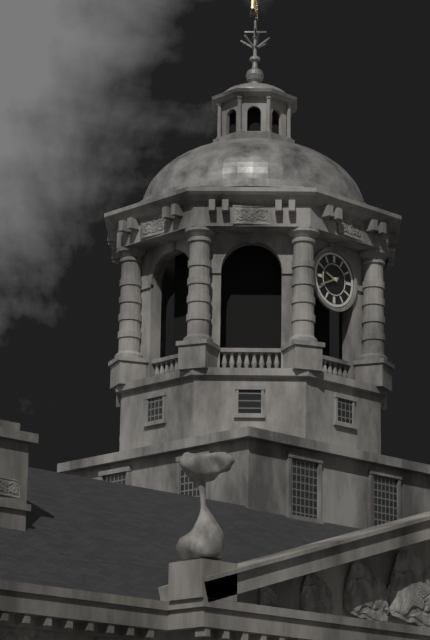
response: 9h41
